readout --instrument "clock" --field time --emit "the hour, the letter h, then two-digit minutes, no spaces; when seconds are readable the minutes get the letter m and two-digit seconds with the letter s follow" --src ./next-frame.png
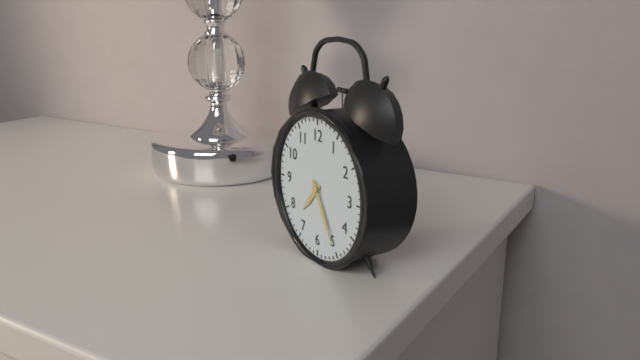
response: 7h25
